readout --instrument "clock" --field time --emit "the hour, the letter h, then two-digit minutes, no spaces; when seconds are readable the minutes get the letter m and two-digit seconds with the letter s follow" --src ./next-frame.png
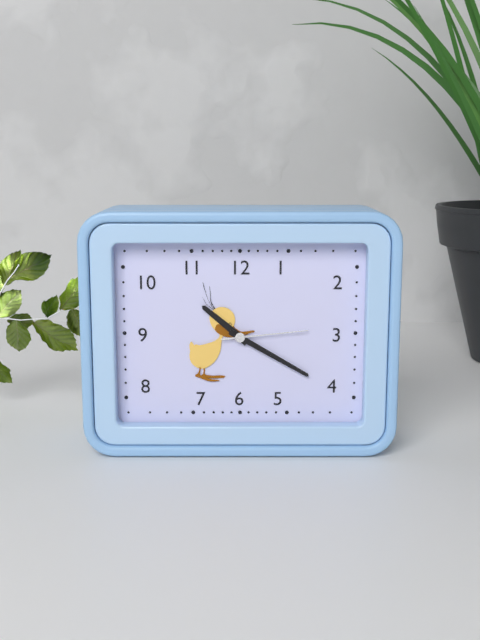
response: 10h20m14s
